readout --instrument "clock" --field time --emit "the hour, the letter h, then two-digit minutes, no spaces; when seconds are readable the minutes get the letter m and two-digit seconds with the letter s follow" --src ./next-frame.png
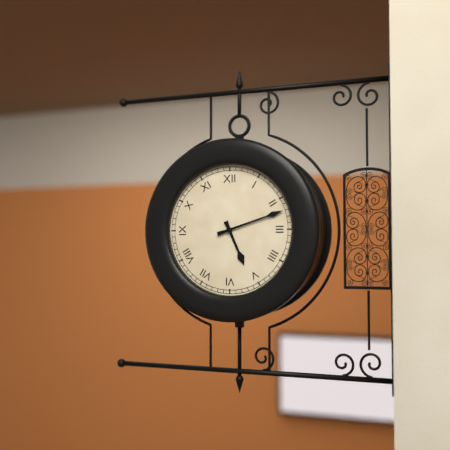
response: 5h12
